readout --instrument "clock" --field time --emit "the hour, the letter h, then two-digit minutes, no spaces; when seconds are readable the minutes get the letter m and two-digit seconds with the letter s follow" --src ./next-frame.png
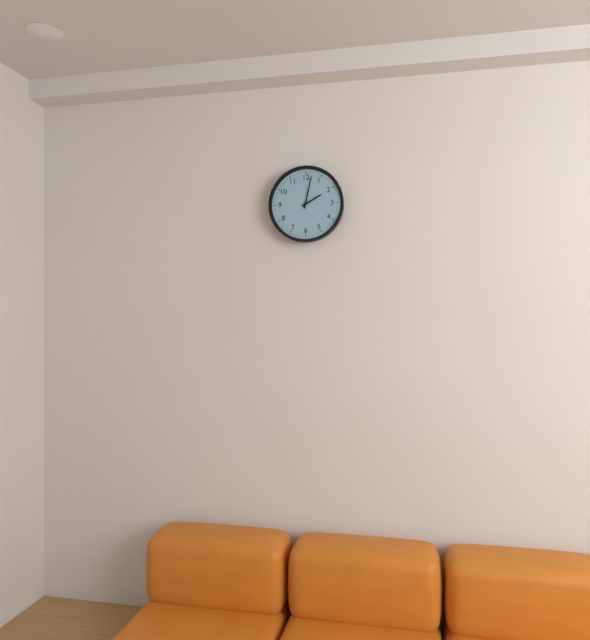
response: 2h02
